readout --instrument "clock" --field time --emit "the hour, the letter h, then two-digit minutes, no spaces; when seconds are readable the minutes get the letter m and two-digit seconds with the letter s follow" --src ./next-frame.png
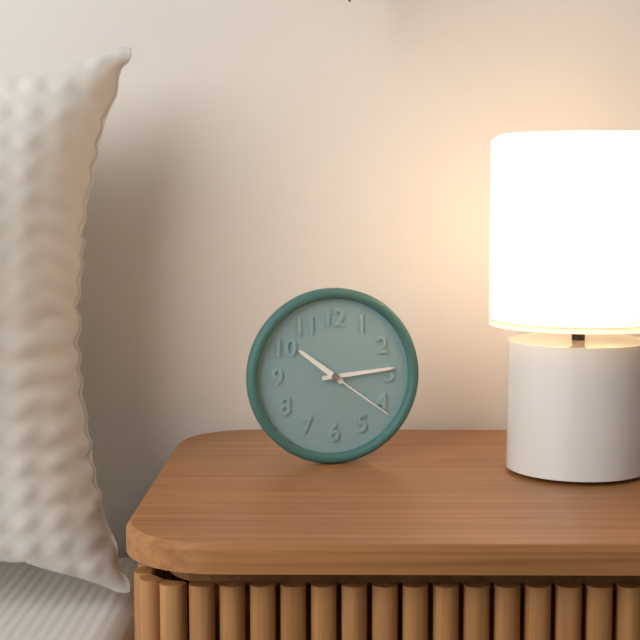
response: 10h14m21s
